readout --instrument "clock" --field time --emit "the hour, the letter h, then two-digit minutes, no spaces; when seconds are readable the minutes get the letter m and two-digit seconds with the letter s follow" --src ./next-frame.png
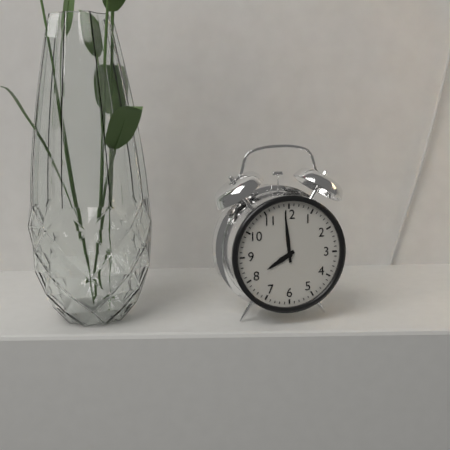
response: 7h59
